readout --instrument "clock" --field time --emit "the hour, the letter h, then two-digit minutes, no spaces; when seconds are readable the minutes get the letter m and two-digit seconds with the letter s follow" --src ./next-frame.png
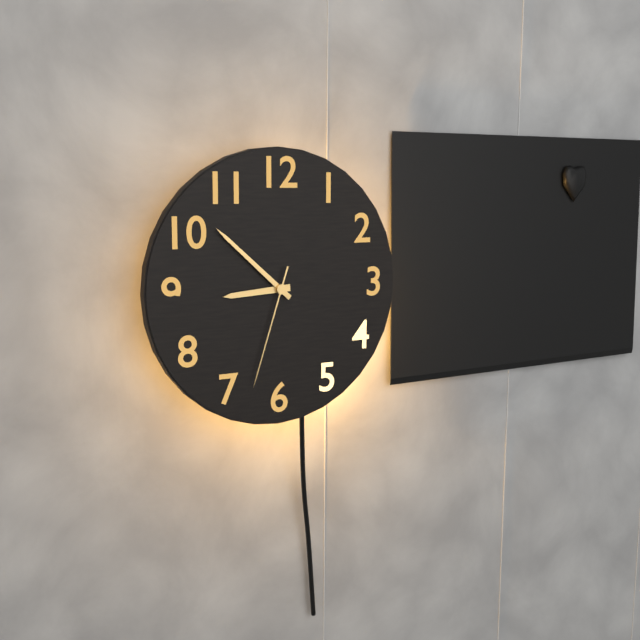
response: 8h52m33s
